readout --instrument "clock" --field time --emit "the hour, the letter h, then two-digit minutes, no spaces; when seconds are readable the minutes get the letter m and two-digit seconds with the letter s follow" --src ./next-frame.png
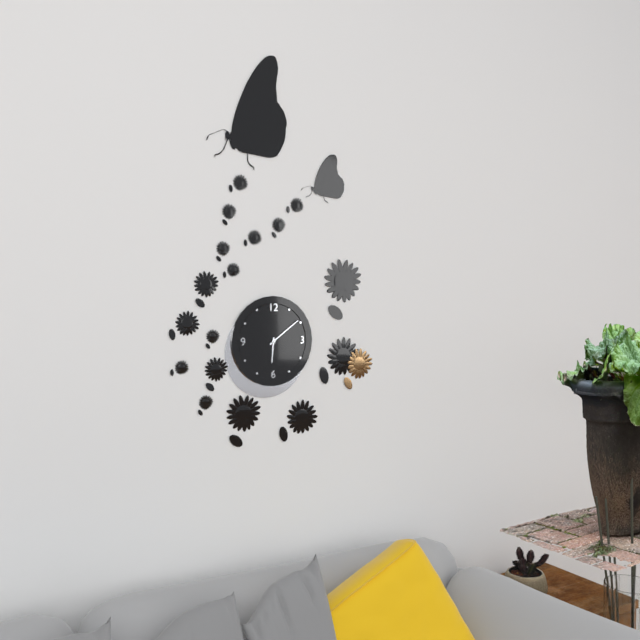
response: 6h09
